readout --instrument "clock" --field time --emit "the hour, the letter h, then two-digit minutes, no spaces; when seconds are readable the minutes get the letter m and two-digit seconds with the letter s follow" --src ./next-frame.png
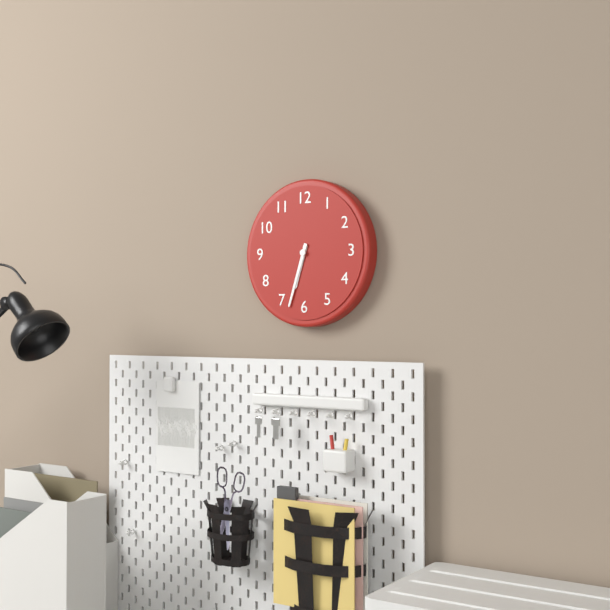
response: 6h33
